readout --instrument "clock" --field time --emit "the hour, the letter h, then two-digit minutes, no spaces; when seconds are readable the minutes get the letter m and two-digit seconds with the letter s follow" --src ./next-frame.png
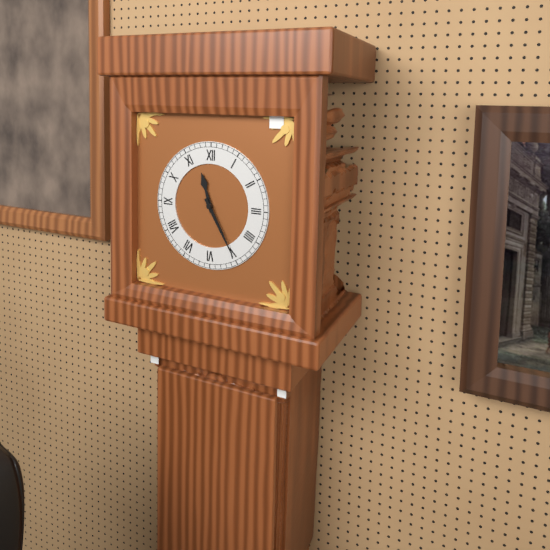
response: 11h25
